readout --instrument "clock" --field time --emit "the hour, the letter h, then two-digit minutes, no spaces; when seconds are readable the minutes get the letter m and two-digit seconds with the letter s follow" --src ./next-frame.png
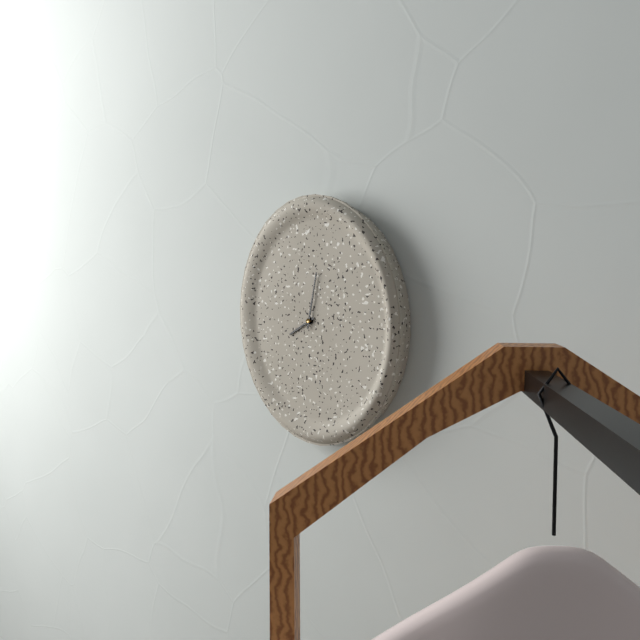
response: 8h02
